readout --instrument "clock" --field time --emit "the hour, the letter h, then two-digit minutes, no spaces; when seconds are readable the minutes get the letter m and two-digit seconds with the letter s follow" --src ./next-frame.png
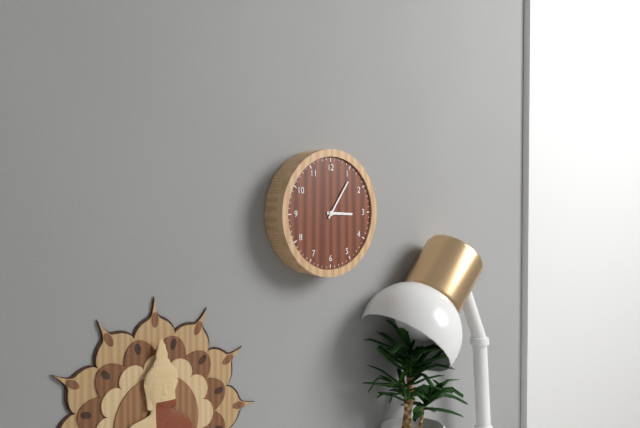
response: 3h06
